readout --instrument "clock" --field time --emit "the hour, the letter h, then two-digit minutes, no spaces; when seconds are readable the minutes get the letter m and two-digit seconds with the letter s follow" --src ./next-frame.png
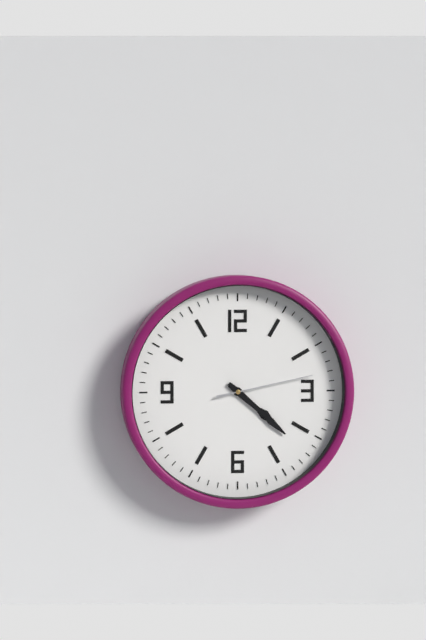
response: 4h22m13s
